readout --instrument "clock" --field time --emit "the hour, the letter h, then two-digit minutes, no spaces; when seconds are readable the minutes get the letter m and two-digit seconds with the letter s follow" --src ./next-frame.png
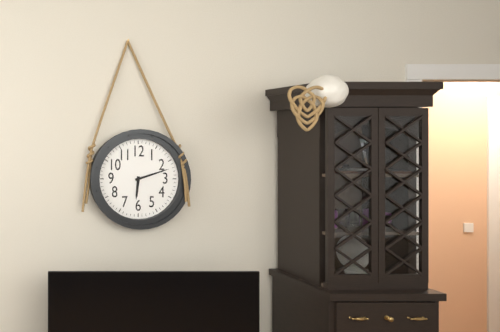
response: 6h12
